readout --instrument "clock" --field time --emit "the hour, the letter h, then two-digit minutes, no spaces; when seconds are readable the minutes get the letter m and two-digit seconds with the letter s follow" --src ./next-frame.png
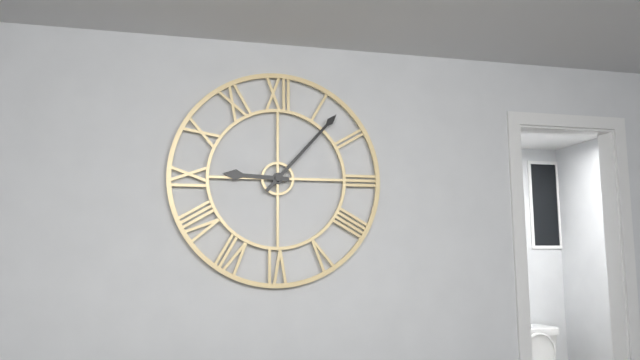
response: 9h07
